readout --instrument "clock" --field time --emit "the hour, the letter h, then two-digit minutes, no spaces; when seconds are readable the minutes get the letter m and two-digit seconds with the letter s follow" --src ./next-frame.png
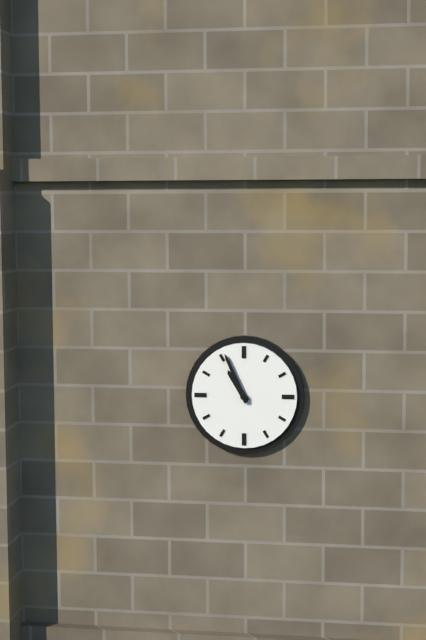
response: 10h56
